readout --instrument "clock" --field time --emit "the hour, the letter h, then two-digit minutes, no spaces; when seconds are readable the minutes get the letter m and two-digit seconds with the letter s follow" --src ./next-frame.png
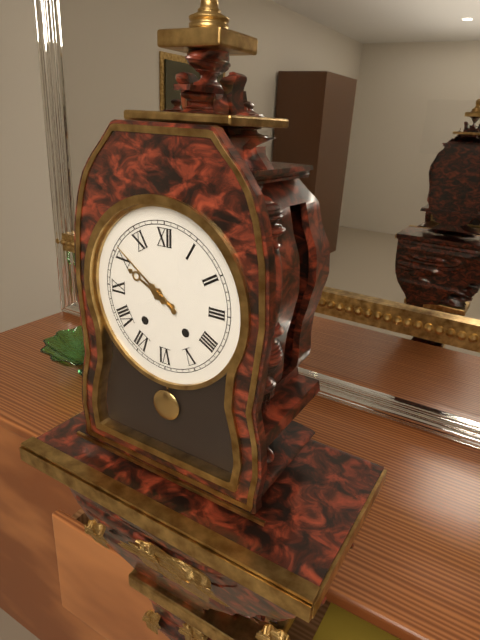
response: 9h51
